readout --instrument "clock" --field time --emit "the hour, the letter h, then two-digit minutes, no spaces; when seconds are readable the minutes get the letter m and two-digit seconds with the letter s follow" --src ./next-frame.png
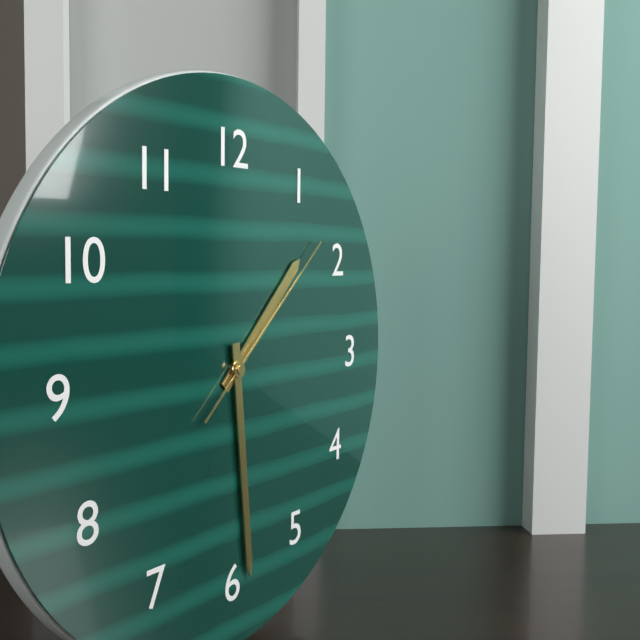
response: 1h29m08s
